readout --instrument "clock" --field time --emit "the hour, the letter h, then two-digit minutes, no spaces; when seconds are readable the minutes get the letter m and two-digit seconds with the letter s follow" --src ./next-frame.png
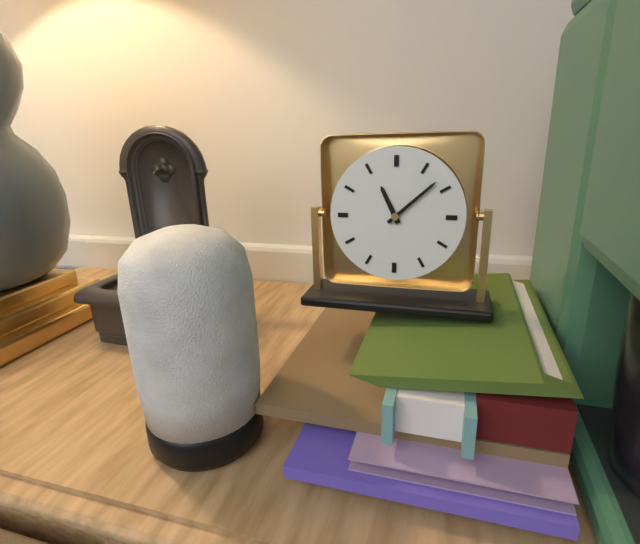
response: 11h08
